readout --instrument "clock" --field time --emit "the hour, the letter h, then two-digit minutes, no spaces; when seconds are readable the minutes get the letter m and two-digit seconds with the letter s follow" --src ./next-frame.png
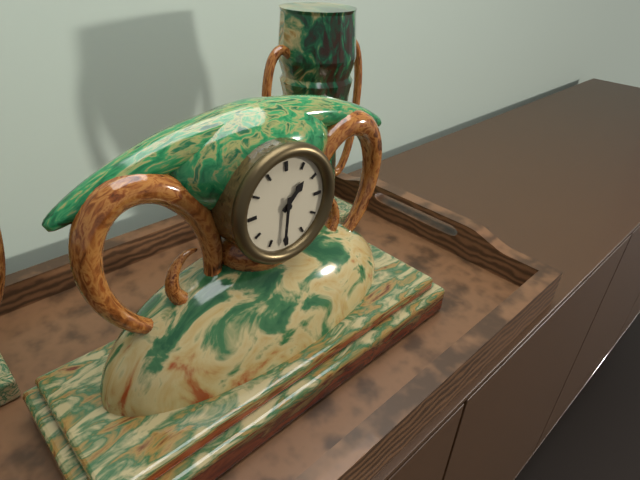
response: 1h31
